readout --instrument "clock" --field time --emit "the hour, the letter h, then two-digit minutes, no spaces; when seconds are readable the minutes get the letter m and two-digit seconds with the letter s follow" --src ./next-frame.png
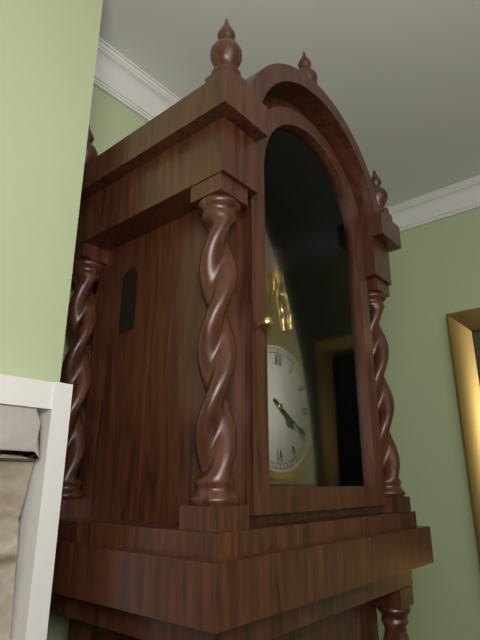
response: 4h20
